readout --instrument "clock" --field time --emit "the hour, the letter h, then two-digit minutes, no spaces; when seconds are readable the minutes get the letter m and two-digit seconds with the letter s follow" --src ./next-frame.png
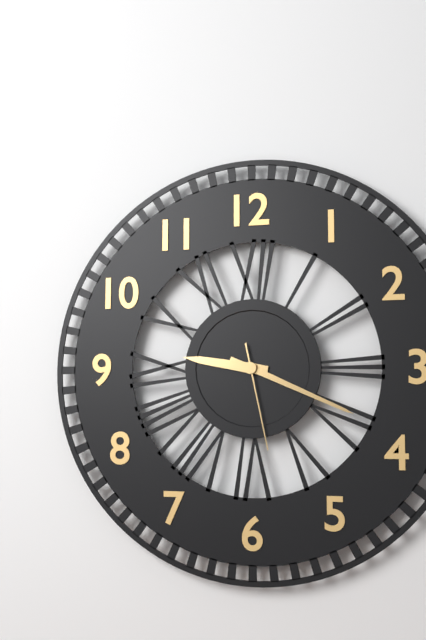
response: 9h19m28s
